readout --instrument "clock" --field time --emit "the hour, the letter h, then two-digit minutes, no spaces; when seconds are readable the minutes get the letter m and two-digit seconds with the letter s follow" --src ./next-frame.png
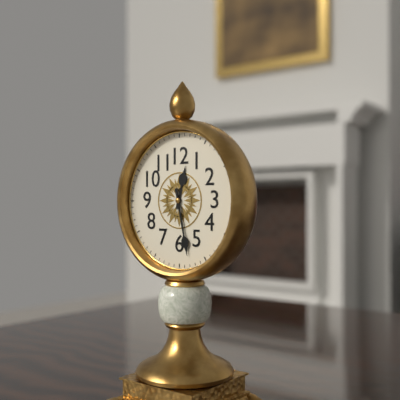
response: 12h28
